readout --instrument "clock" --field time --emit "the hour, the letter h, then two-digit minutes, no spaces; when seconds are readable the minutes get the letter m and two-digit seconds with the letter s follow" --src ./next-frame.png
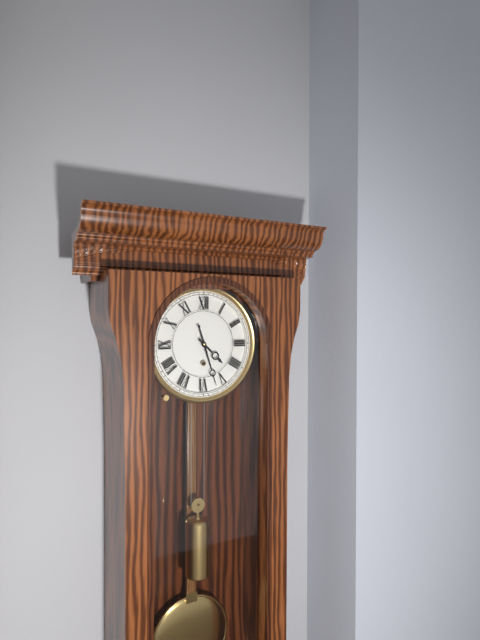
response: 4h27
